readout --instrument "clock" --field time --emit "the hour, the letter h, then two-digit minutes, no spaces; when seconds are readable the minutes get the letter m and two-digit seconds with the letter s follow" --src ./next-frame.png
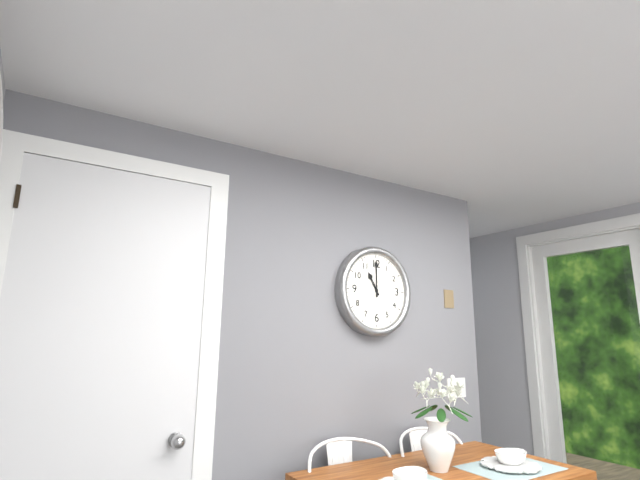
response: 11h00
